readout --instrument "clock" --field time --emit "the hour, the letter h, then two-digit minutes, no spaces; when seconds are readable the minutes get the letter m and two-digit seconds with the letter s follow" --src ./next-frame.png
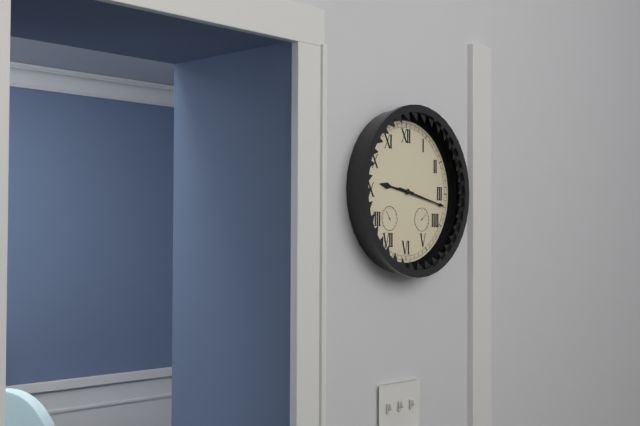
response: 9h17
